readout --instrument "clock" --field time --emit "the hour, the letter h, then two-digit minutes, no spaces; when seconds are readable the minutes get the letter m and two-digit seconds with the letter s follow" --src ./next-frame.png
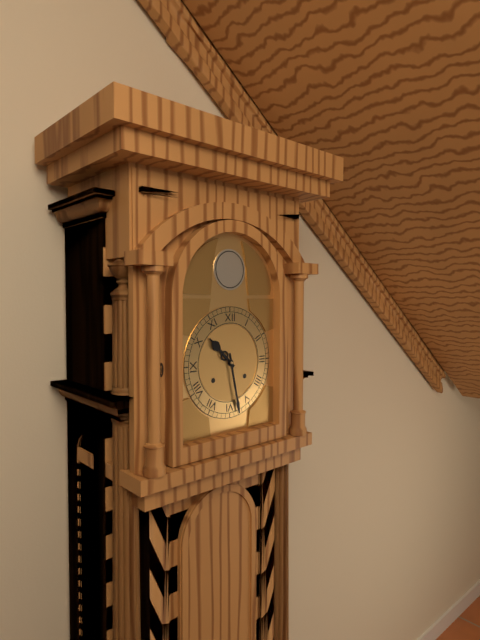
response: 10h28
